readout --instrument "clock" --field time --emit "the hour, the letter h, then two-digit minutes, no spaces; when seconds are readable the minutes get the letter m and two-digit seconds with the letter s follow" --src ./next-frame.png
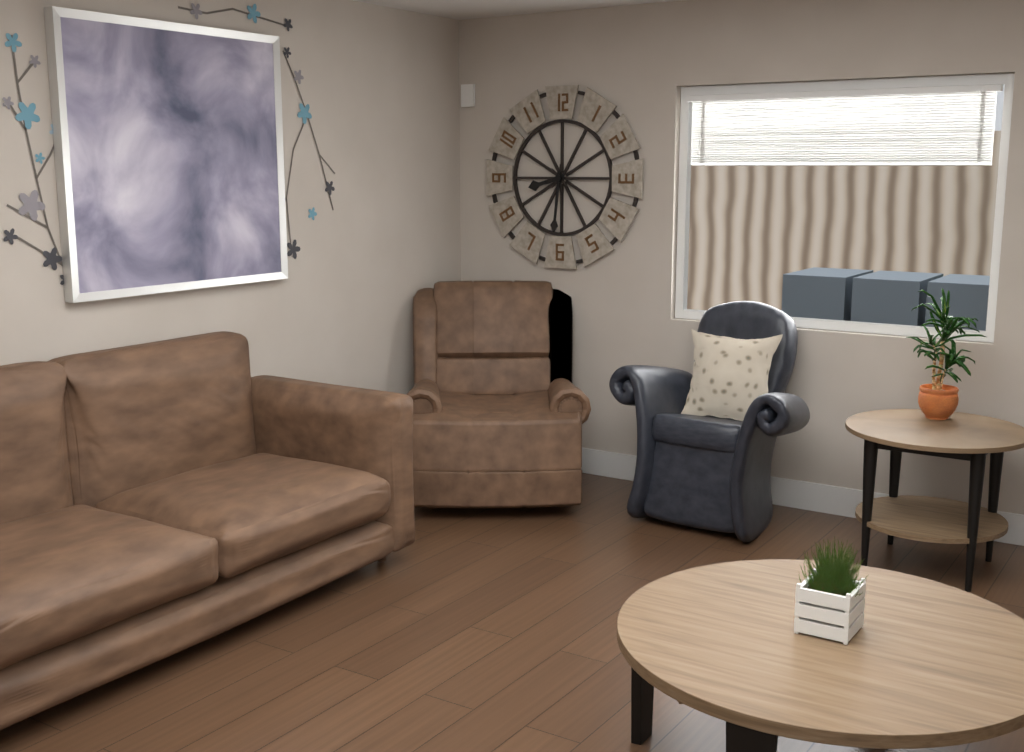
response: 8h31
